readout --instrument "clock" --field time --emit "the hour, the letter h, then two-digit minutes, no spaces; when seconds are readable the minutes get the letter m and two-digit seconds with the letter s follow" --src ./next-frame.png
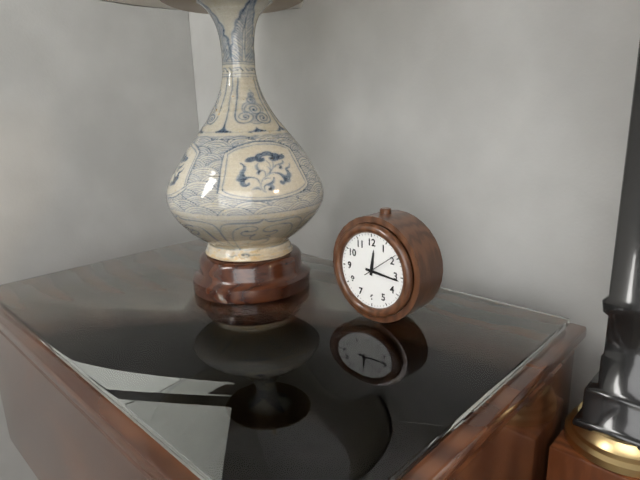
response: 12h16
